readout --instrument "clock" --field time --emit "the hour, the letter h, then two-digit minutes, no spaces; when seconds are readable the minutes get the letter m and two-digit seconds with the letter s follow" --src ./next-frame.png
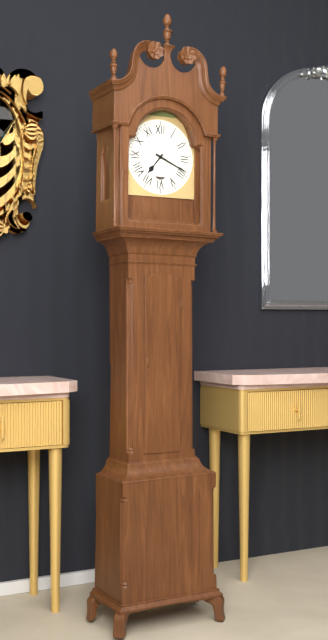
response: 7h19
